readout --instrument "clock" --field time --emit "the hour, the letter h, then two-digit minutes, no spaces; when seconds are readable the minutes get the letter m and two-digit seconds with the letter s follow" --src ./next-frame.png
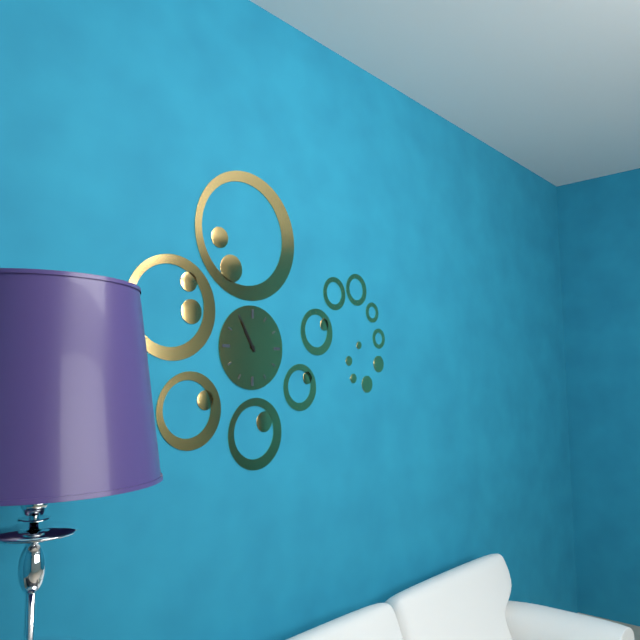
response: 10h55
